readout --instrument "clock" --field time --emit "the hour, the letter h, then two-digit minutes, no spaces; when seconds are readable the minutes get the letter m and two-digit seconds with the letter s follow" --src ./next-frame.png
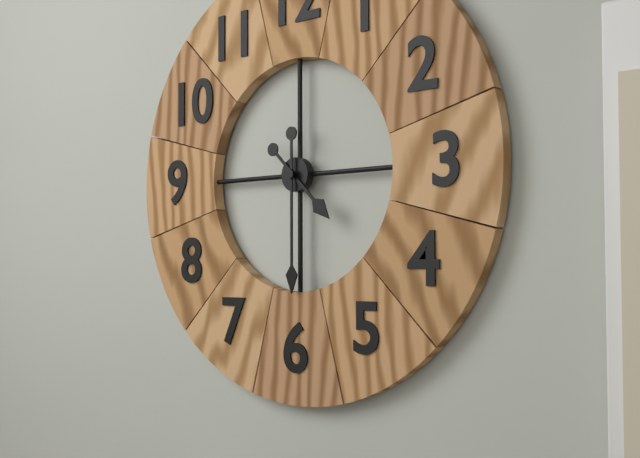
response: 4h30
